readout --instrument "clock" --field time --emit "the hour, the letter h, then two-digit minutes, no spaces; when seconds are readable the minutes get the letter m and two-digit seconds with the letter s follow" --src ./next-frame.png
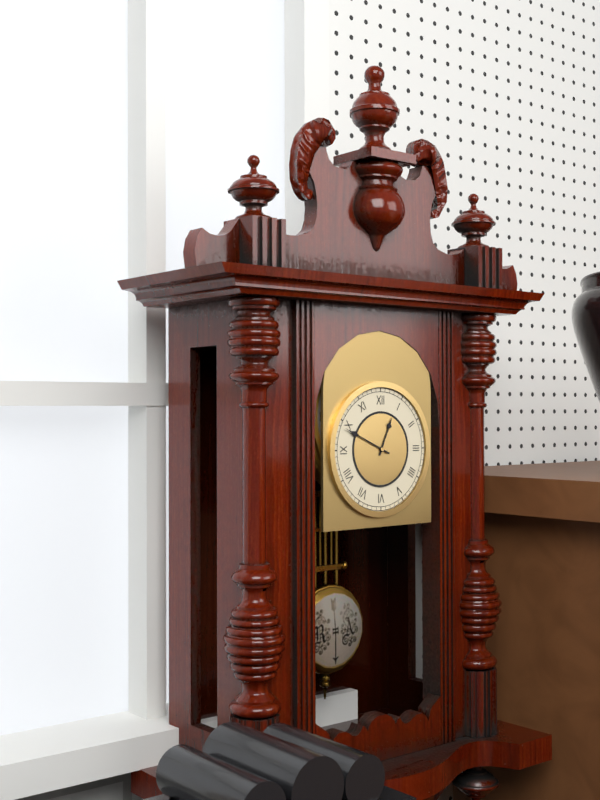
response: 12h49
